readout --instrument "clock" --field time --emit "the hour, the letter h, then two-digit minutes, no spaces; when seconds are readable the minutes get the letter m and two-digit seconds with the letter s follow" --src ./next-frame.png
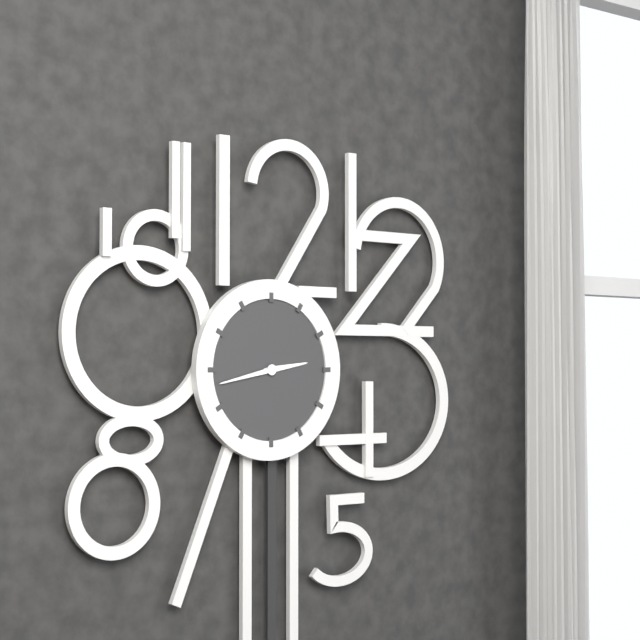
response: 2h43
